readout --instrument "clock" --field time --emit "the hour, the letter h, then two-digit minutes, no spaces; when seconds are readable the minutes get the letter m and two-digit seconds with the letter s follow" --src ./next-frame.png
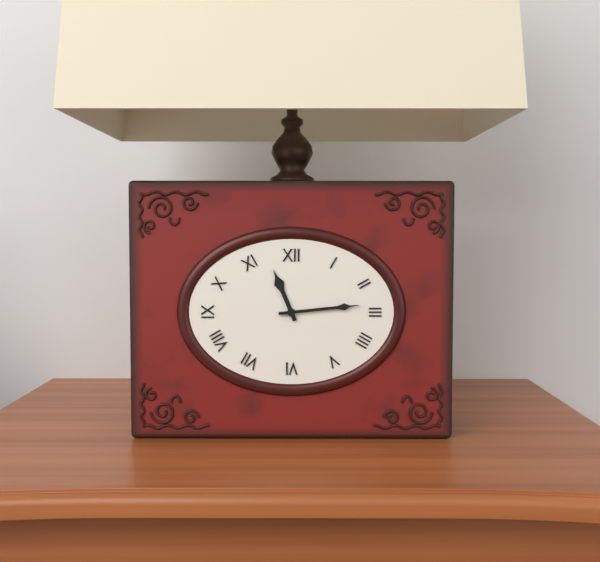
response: 11h14
